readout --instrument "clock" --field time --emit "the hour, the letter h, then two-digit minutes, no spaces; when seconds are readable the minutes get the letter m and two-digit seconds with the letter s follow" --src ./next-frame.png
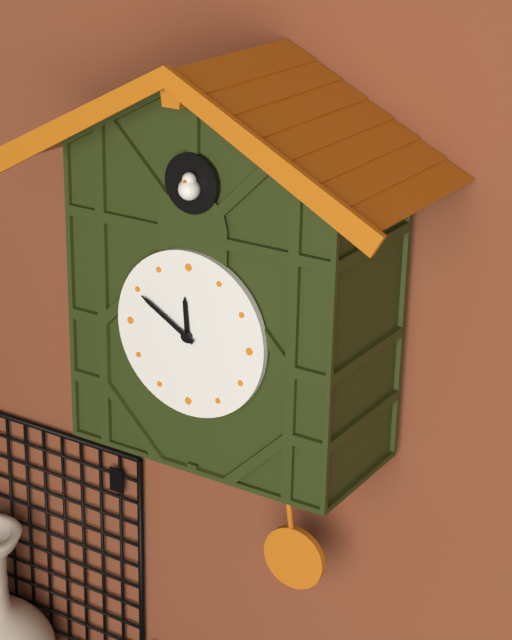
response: 11h50
